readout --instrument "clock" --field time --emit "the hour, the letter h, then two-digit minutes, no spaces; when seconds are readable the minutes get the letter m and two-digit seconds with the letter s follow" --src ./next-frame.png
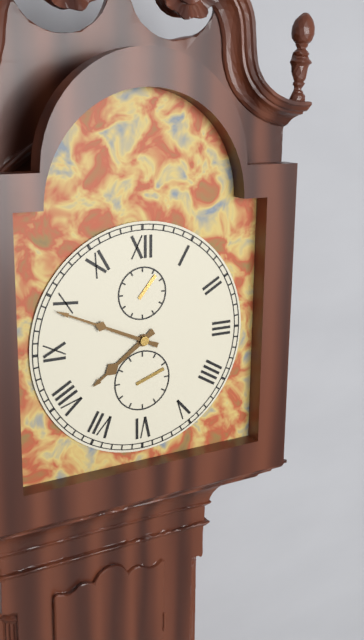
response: 7h49
